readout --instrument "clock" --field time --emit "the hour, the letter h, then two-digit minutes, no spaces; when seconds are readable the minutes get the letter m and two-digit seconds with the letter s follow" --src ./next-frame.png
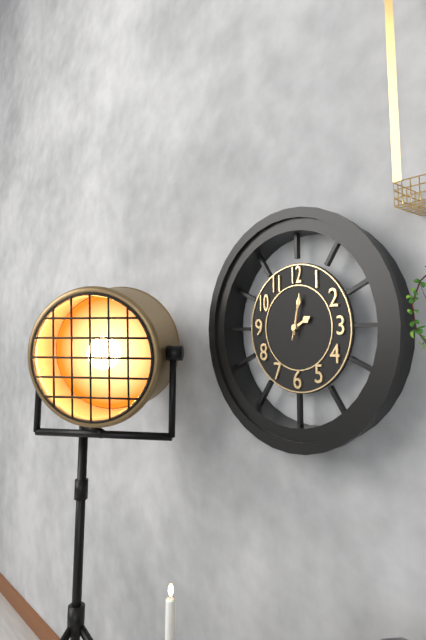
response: 2h02
